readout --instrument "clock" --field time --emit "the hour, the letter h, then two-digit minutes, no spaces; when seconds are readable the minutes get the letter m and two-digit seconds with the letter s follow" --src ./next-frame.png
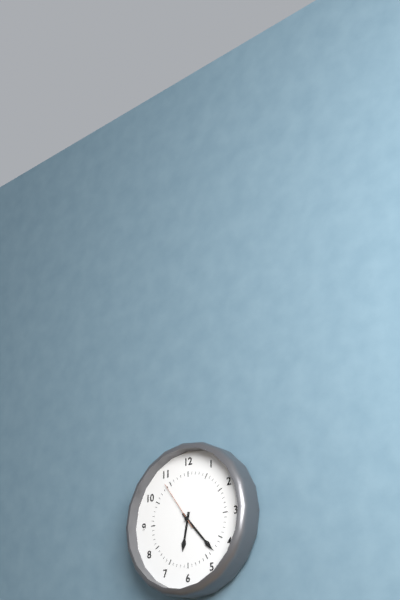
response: 6h23m54s
